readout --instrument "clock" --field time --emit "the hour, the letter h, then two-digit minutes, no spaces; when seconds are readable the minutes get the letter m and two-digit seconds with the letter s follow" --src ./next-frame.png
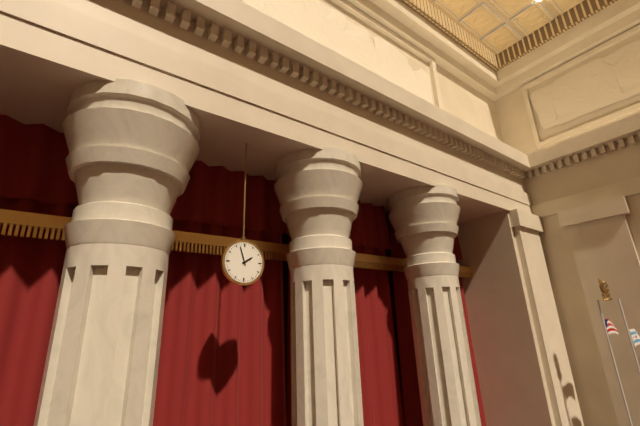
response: 1h57
